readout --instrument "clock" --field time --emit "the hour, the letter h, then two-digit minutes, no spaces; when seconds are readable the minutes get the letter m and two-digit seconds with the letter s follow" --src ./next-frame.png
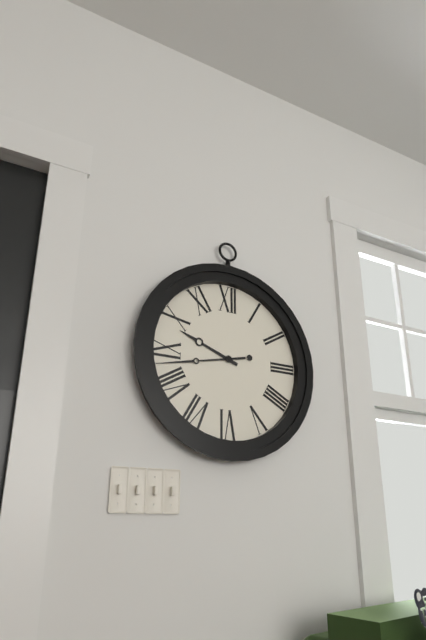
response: 9h43
